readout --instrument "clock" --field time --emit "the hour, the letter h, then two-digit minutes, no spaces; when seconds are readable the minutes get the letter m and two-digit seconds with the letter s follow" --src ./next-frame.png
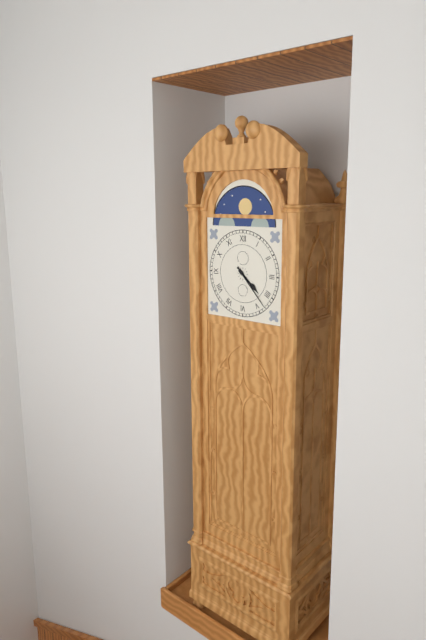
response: 4h23
